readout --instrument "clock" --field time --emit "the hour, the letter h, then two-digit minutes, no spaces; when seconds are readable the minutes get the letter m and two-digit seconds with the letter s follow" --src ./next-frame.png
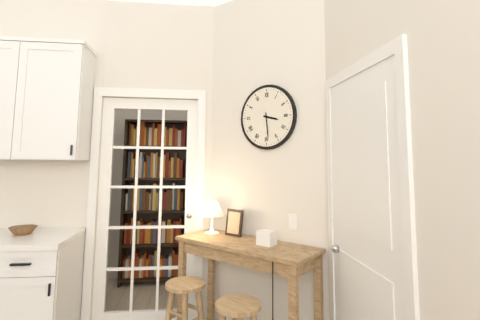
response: 3h29
